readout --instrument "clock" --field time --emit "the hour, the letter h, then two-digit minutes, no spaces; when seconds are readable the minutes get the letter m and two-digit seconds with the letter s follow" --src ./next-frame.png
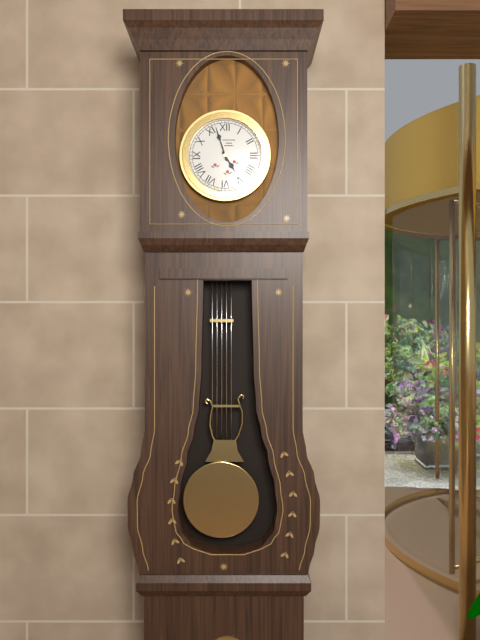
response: 4h57
